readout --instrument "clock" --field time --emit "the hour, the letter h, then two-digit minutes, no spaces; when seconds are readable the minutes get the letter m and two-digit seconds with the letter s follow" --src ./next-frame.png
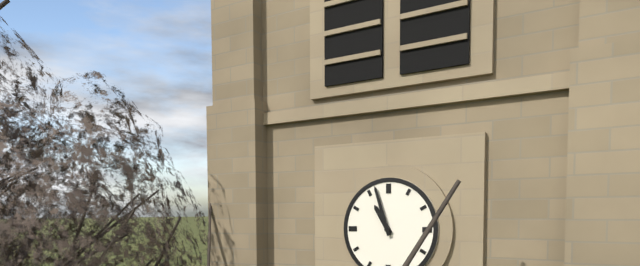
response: 10h57
